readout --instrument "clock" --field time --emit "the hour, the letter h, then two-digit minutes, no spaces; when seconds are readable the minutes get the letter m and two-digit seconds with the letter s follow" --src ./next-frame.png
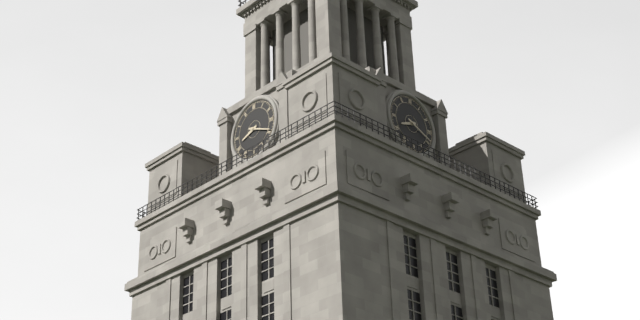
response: 8h19
